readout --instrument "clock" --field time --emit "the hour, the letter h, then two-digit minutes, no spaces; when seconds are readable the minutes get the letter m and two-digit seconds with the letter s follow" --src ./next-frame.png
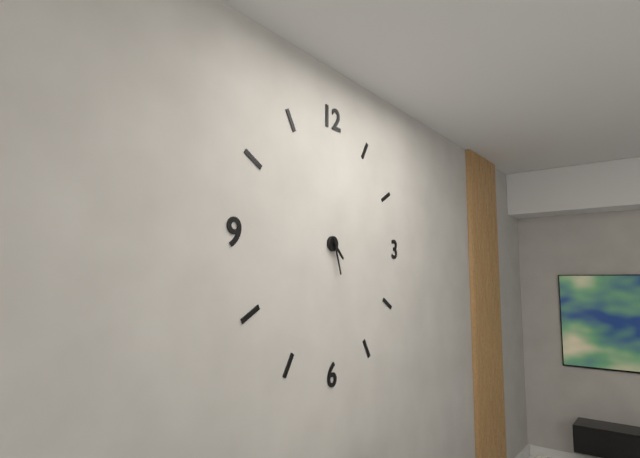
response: 4h27
